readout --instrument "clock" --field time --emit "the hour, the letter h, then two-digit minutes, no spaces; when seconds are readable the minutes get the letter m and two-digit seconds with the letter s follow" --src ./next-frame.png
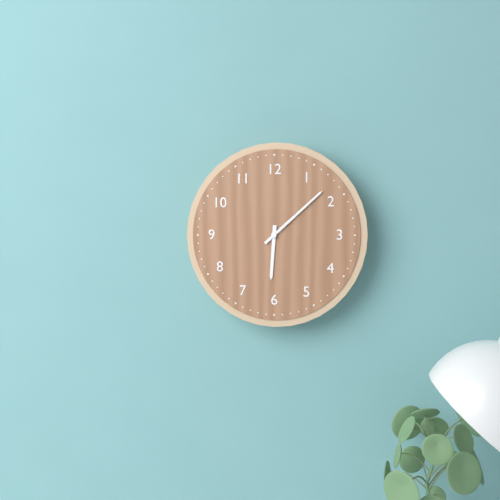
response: 6h08
